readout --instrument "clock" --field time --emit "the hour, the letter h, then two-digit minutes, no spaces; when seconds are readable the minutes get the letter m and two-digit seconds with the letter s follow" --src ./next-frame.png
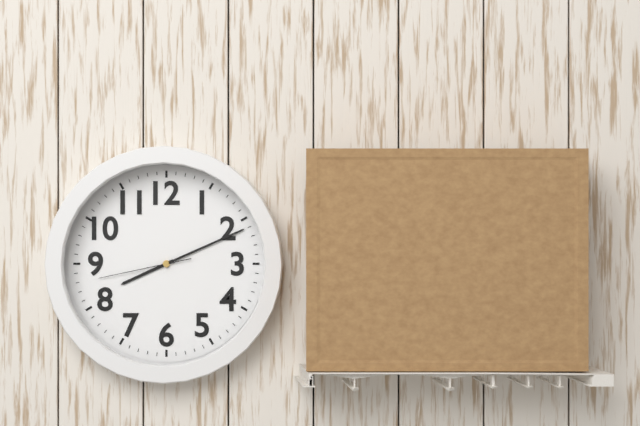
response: 8h11m43s
